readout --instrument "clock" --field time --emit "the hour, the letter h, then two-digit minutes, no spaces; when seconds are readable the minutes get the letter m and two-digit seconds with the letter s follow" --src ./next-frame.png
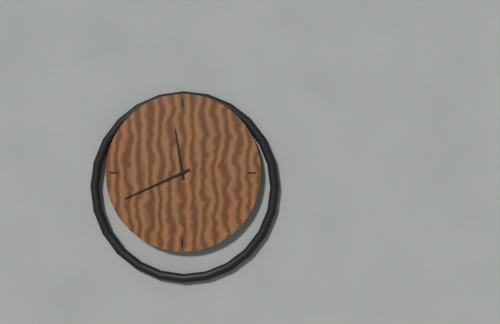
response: 11h41
